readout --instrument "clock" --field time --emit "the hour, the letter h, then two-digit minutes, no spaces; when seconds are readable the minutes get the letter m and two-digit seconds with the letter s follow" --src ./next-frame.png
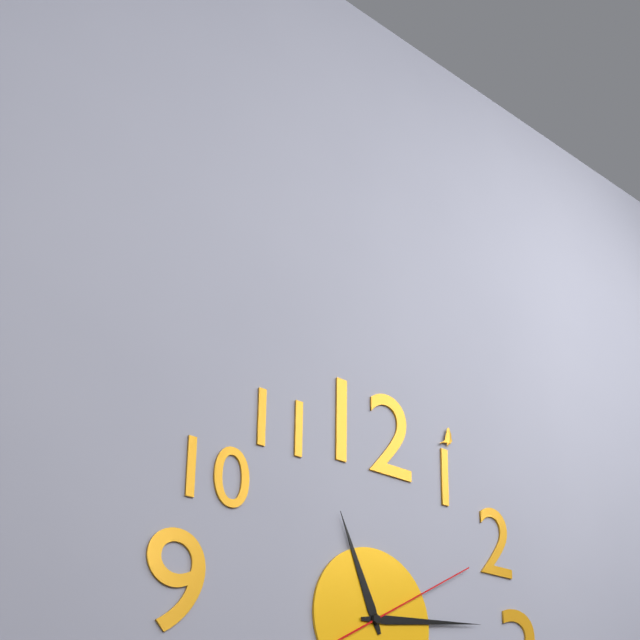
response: 11h14m10s
